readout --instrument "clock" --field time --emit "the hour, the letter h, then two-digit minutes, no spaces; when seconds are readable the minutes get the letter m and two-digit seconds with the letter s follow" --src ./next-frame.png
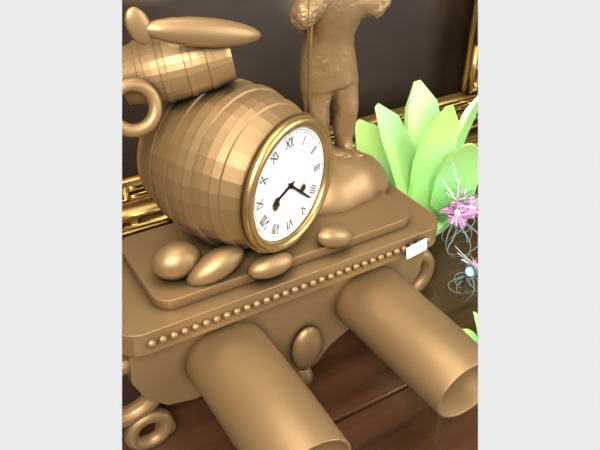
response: 8h22
